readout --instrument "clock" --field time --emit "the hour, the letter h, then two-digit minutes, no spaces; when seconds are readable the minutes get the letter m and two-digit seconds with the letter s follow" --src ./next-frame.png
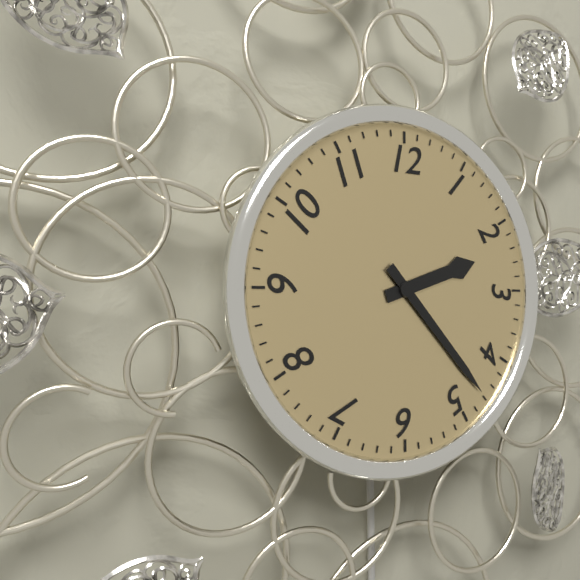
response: 2h23
